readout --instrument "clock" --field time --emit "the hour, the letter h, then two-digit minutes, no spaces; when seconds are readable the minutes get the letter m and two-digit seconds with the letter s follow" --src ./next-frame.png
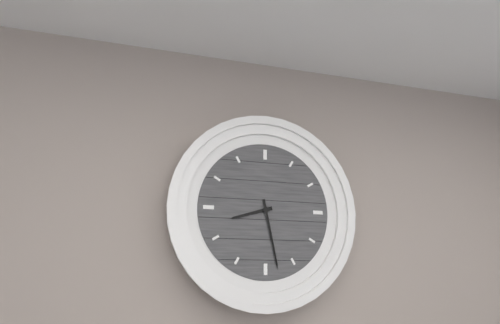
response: 8h28
